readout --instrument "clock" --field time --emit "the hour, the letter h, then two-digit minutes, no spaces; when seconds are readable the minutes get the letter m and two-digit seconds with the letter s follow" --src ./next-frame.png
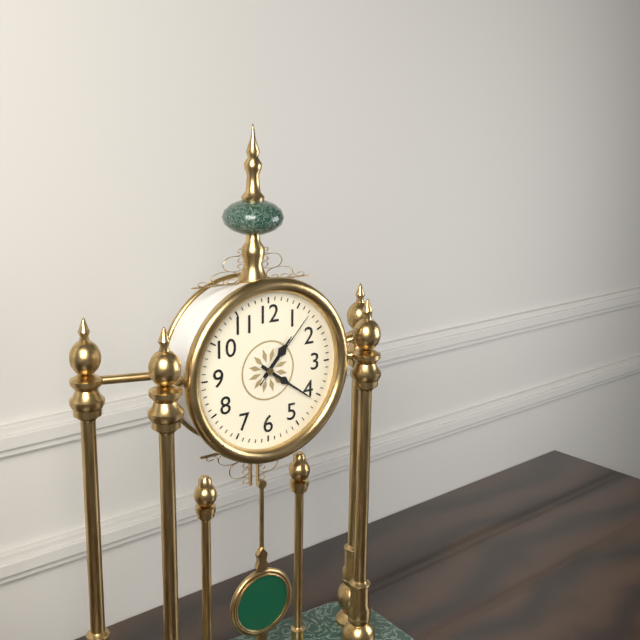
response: 1h21m07s
